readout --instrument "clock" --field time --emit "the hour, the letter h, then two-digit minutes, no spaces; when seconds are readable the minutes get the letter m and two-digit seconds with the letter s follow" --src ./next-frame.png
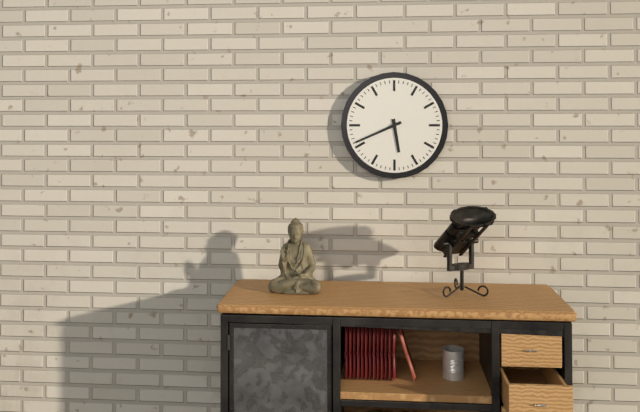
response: 5h41
